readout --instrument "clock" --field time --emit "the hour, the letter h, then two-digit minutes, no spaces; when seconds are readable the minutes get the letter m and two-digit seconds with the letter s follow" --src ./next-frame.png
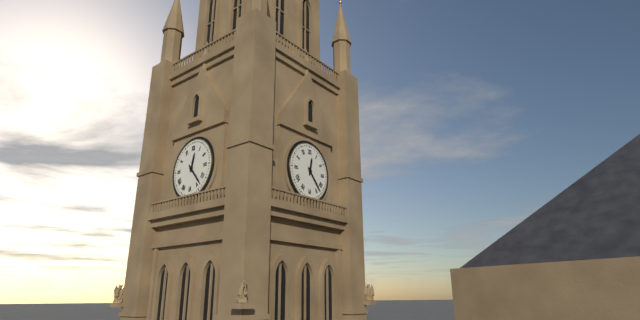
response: 12h23
